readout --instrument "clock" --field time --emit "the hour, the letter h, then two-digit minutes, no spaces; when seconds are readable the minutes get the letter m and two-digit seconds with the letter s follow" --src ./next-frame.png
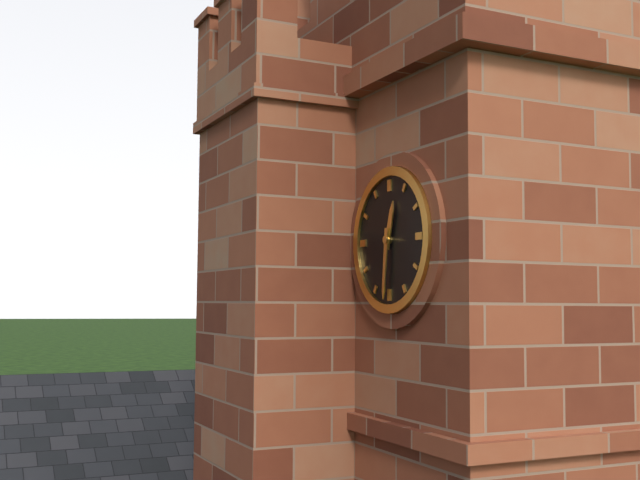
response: 12h31
